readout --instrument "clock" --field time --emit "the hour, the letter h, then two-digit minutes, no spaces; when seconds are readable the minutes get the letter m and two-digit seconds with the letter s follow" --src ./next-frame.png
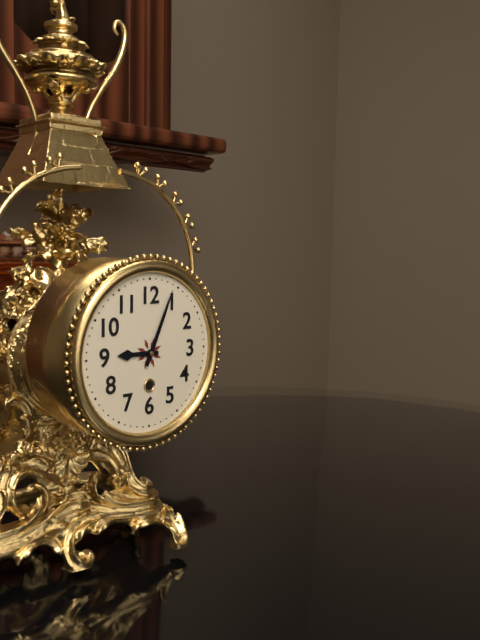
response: 9h04
